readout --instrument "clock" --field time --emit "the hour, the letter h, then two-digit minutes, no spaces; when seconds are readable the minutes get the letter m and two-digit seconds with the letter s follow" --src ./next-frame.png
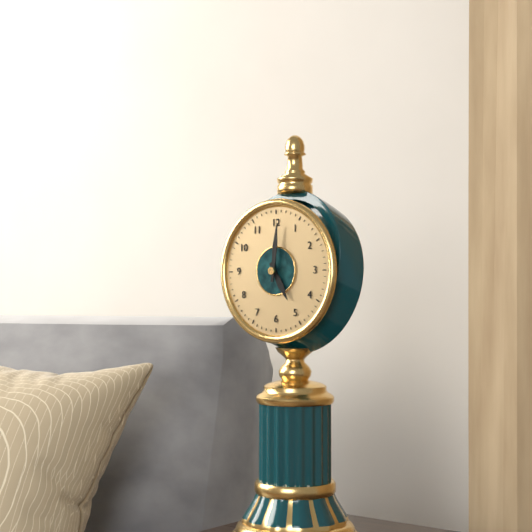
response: 5h01
